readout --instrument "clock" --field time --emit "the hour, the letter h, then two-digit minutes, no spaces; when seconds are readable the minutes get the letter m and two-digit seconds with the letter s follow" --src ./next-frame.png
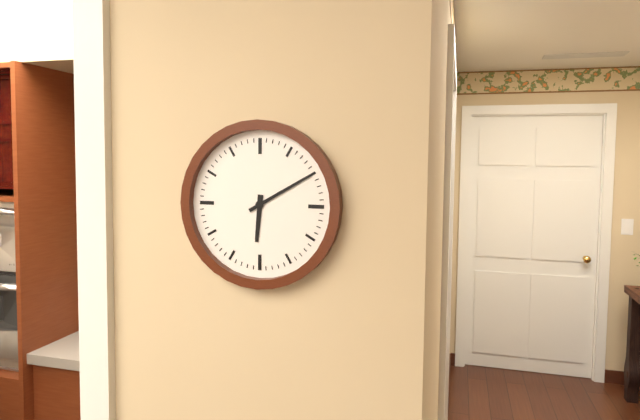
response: 6h10
